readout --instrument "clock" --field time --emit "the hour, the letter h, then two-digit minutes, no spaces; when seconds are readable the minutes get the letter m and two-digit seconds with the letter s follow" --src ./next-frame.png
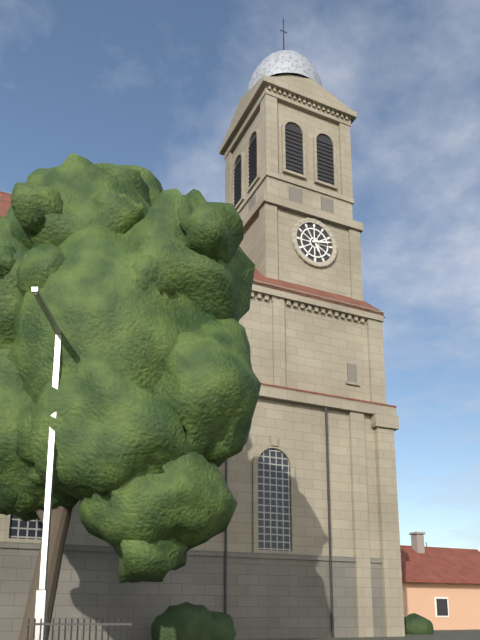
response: 5h13
